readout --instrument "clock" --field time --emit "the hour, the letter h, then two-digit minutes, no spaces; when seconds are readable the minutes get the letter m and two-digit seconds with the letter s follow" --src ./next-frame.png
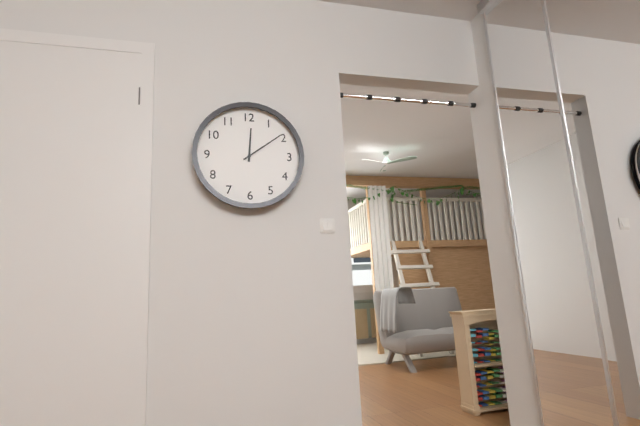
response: 12h09
